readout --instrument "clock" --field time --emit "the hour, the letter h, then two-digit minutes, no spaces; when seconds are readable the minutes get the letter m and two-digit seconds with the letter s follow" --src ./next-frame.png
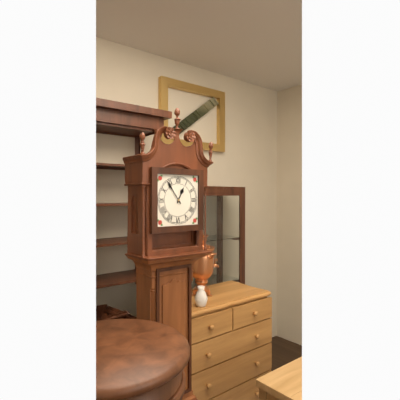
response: 12h54
